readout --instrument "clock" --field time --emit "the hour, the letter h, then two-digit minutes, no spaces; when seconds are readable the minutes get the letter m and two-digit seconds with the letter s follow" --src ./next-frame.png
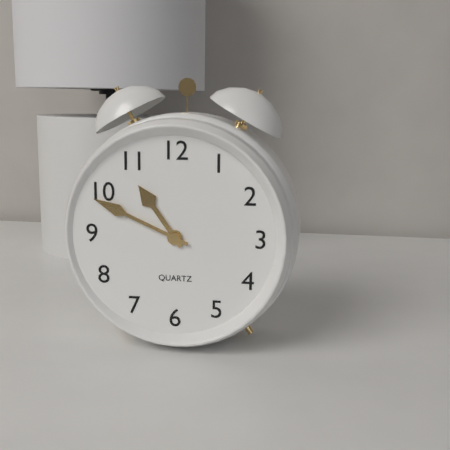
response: 10h49
